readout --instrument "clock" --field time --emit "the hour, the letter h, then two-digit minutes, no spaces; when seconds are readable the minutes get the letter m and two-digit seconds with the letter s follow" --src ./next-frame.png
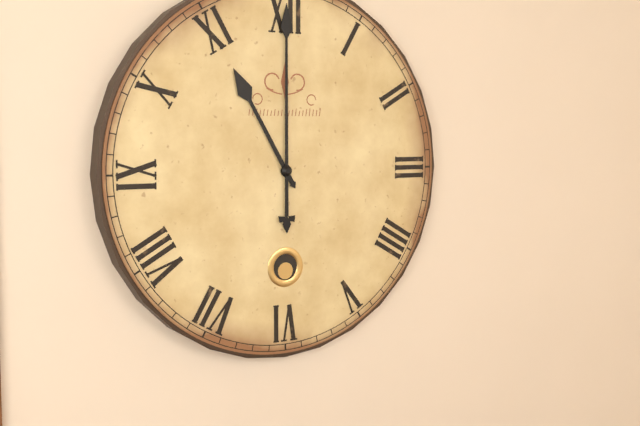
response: 11h00
